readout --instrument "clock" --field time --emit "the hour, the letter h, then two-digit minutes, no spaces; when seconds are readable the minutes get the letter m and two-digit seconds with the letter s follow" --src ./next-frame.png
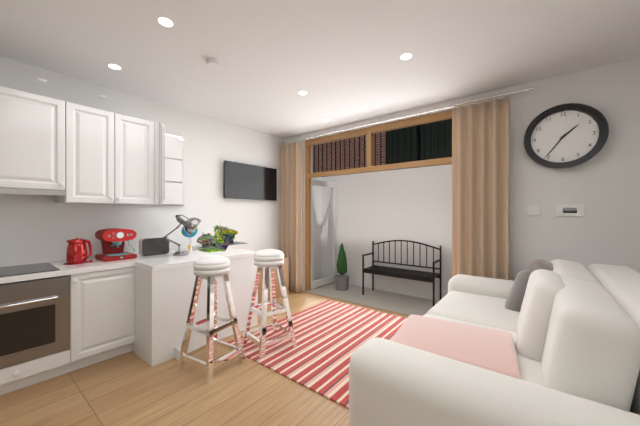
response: 1h36
